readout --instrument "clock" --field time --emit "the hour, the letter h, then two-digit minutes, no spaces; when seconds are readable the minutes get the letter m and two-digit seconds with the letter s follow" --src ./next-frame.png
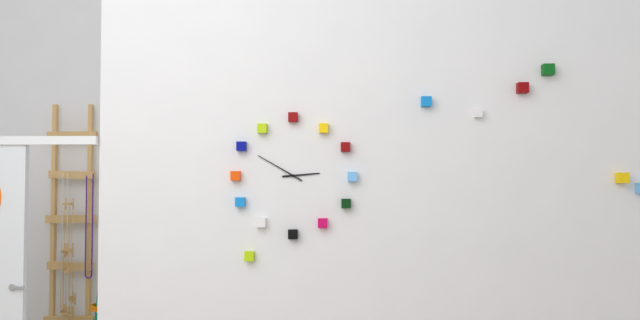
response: 2h50
